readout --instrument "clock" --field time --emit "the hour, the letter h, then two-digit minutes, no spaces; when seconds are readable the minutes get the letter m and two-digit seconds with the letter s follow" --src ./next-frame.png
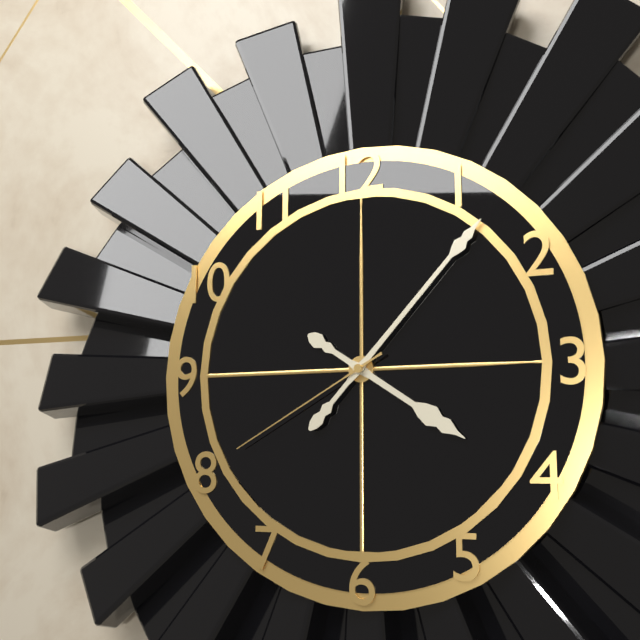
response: 4h07m40s
